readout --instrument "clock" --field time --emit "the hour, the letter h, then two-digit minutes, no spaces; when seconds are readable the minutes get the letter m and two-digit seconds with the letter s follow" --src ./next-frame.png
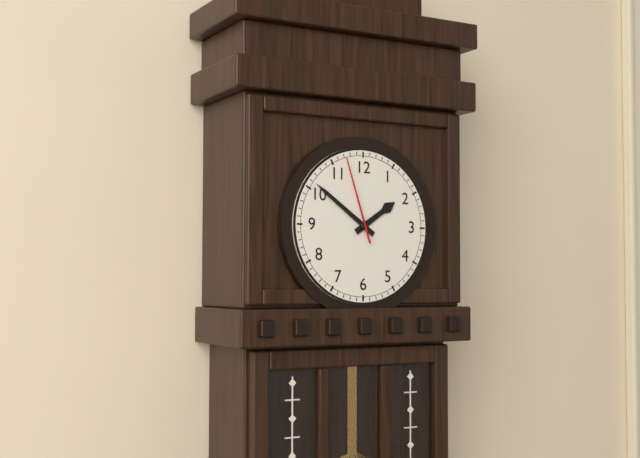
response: 1h51m57s
